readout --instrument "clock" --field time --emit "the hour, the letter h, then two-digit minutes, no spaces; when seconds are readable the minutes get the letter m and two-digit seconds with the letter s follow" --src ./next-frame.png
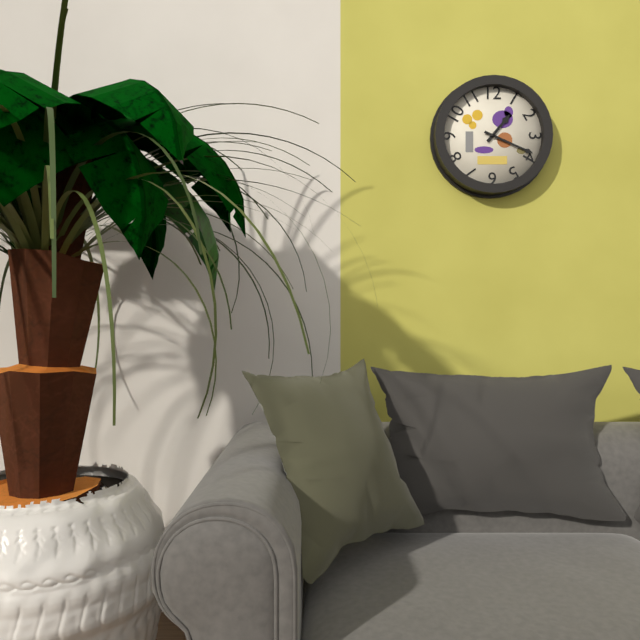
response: 1h19
